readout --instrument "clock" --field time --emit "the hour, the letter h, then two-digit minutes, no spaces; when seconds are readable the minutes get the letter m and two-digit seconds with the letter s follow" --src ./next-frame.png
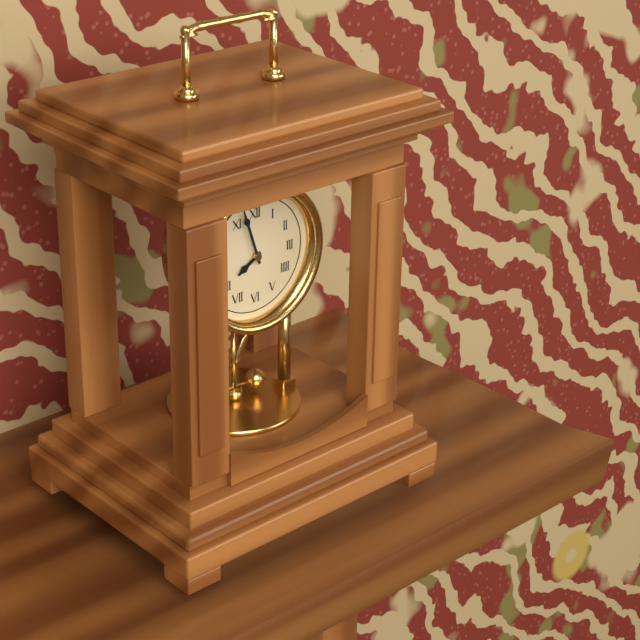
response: 7h57
